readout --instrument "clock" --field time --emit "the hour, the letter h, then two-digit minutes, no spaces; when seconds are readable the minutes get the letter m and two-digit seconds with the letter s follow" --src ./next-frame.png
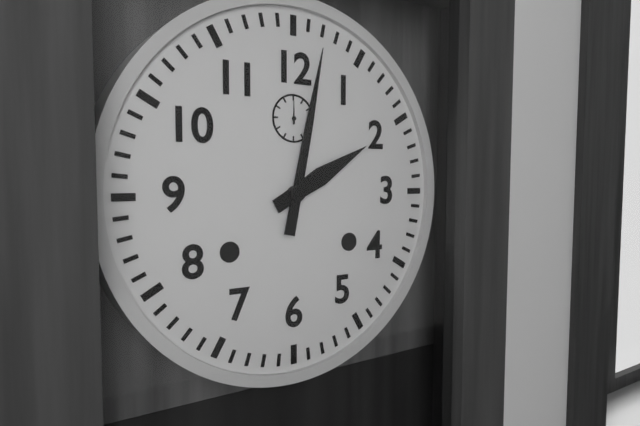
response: 2h02
